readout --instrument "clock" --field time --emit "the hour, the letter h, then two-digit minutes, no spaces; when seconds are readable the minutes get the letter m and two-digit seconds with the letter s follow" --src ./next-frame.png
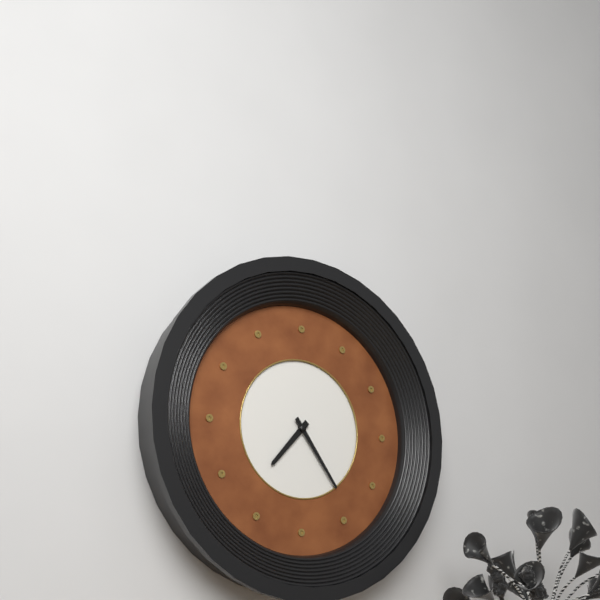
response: 7h24
